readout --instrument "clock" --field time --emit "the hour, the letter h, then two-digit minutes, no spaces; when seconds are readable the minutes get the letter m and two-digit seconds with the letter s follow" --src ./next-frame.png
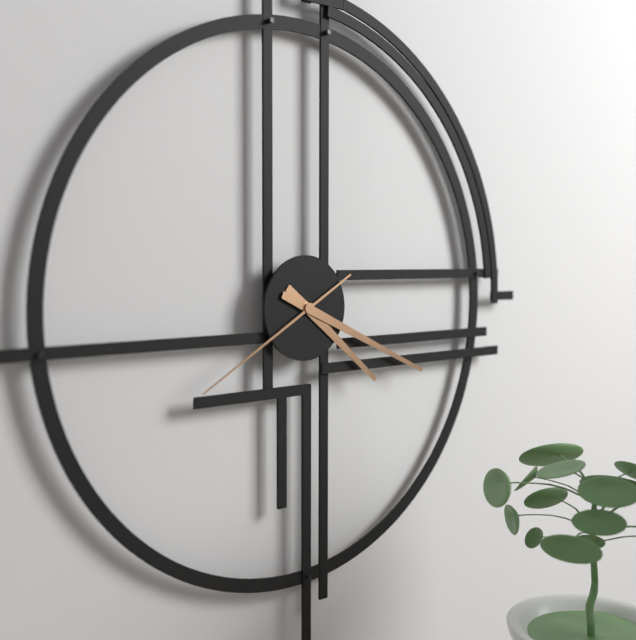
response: 4h19m40s
